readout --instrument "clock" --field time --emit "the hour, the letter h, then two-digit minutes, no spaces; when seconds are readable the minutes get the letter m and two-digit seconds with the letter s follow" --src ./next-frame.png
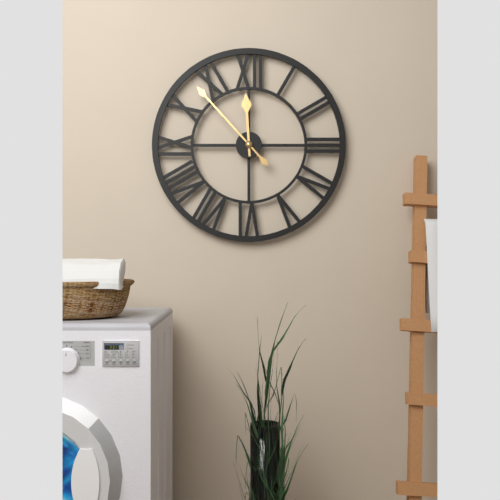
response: 11h53
